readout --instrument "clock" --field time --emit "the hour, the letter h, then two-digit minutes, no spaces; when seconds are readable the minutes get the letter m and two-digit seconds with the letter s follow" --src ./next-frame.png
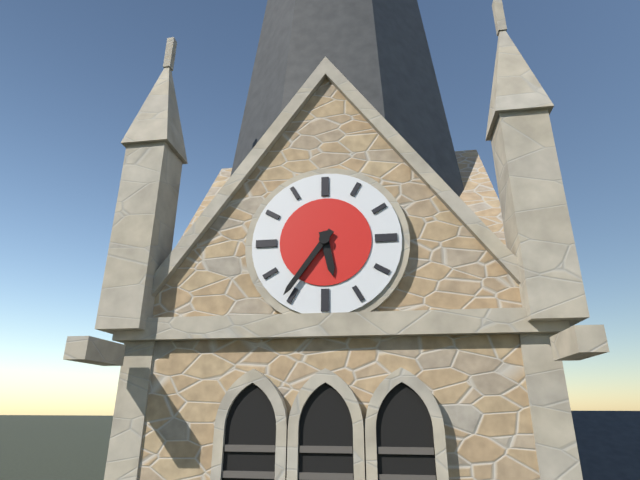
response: 5h36
